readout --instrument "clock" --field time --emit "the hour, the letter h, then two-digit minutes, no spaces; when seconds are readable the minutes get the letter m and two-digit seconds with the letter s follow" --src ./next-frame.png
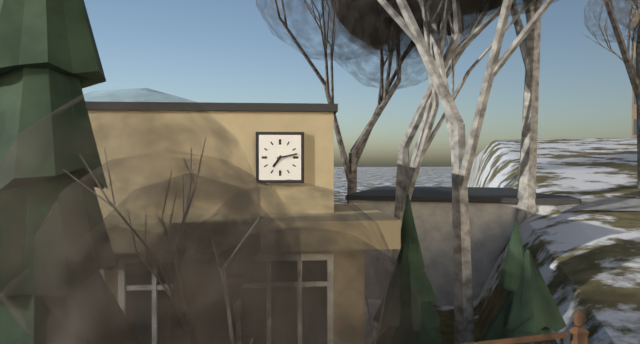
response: 7h13
